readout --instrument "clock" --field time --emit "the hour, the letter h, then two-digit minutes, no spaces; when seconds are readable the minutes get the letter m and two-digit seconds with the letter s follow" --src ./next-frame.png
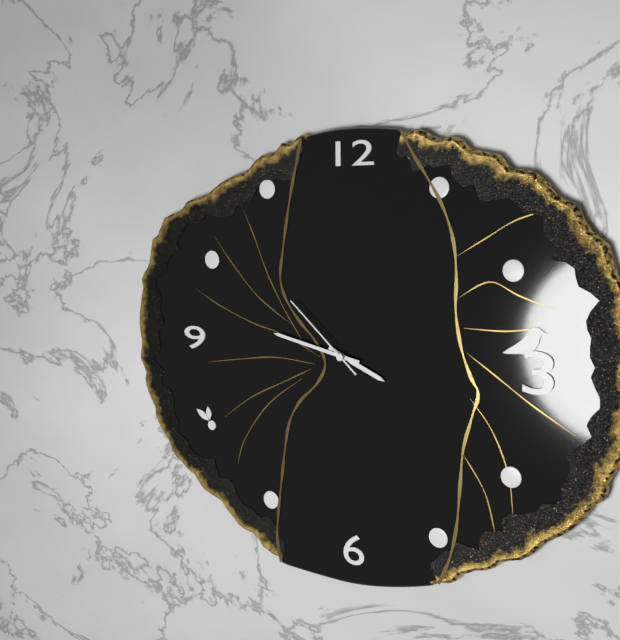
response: 3h47m52s
